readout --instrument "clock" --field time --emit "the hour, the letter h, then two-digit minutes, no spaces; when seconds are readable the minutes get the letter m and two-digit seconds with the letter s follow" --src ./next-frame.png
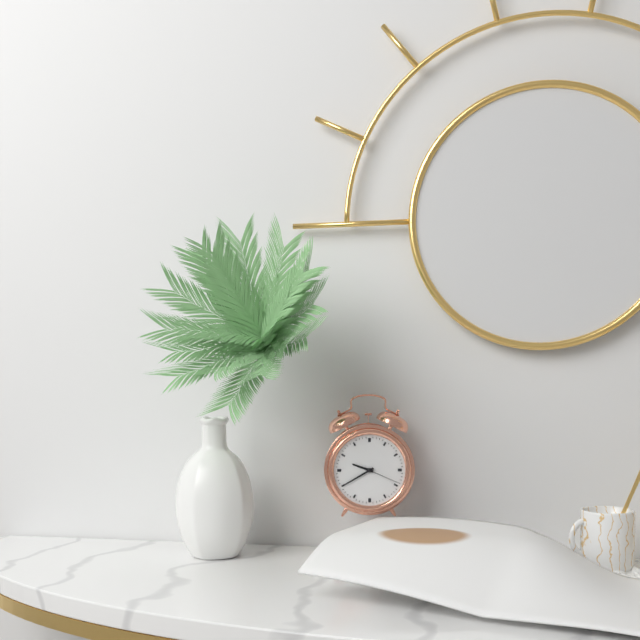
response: 9h40
